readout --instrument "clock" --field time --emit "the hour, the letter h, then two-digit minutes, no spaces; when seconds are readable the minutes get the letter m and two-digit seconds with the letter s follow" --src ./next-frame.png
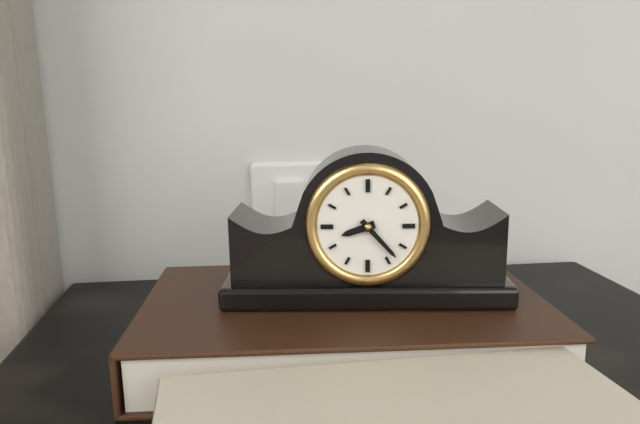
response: 8h23
